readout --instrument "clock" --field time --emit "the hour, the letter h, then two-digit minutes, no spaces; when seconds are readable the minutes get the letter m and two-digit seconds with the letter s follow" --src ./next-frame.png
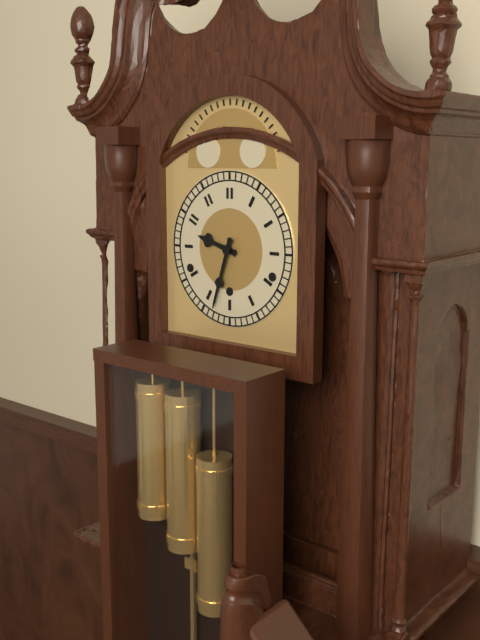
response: 9h33
